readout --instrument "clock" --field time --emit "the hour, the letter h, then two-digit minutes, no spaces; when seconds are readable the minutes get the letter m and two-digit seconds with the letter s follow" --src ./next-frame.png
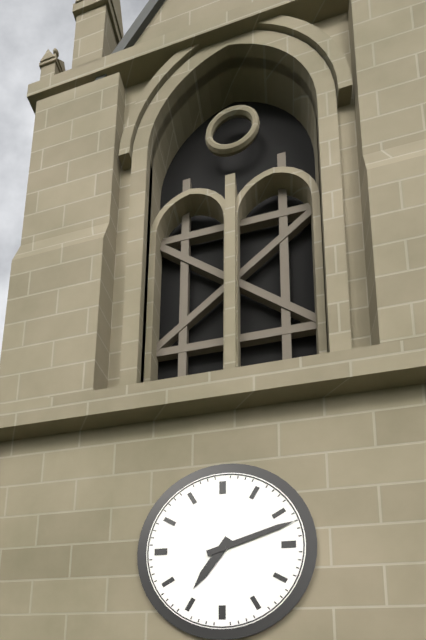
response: 7h12
